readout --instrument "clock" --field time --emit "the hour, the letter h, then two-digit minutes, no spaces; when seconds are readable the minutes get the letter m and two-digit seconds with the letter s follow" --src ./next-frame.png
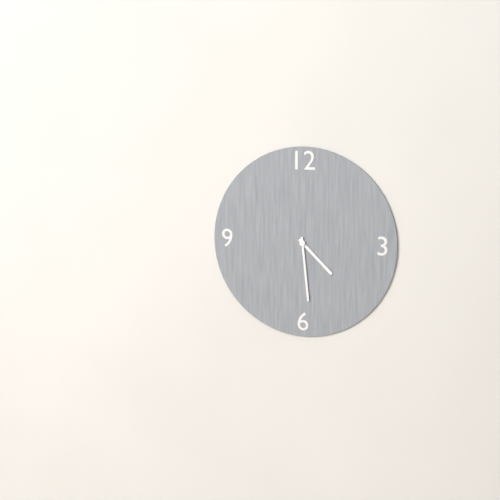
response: 4h29
